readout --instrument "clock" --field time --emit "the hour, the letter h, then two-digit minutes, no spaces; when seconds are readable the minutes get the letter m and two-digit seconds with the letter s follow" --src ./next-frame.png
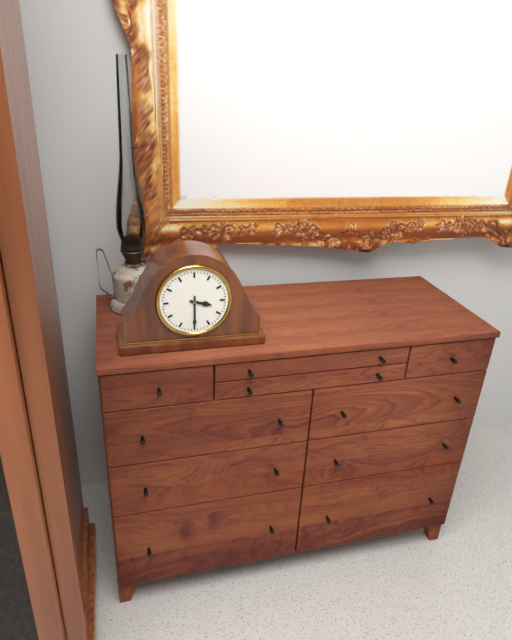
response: 3h30
